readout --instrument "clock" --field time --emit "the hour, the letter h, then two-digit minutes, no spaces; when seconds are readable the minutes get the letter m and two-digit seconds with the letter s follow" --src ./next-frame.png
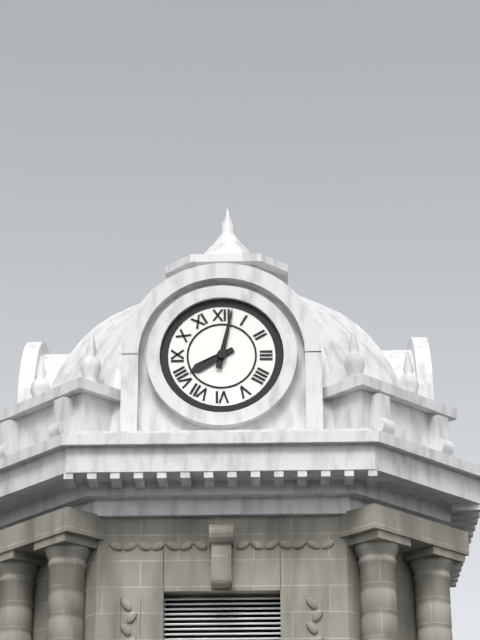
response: 8h02
